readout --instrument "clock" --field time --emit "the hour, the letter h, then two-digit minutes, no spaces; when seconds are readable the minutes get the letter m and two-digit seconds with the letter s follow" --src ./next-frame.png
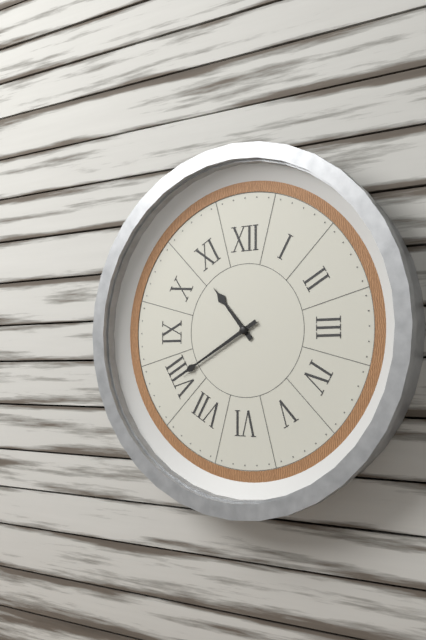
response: 10h40
